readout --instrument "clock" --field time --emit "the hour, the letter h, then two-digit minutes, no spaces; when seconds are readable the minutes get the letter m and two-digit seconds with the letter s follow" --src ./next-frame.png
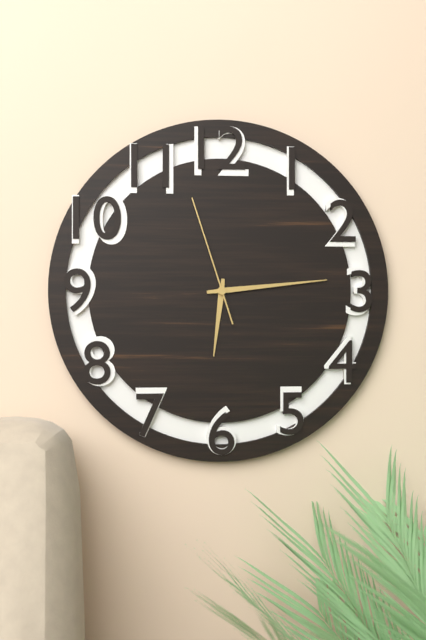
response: 6h14m57s
